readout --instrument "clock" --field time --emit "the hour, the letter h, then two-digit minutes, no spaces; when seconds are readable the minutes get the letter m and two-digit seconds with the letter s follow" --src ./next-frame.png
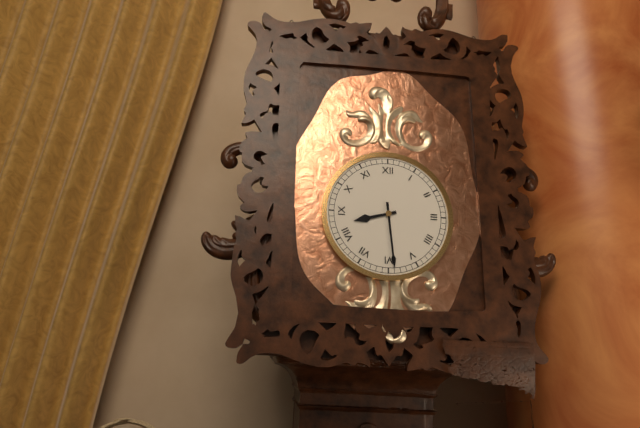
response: 8h29
